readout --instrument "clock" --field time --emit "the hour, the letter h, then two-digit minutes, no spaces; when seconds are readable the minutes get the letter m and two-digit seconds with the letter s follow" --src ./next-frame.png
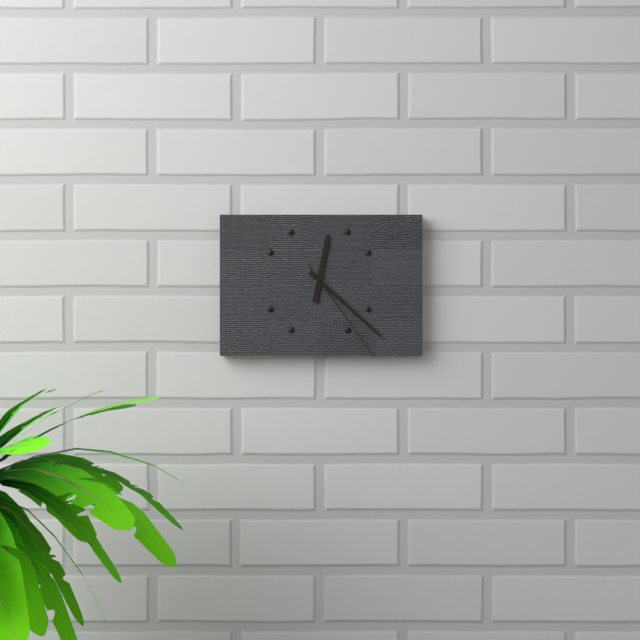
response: 12h22m24s
